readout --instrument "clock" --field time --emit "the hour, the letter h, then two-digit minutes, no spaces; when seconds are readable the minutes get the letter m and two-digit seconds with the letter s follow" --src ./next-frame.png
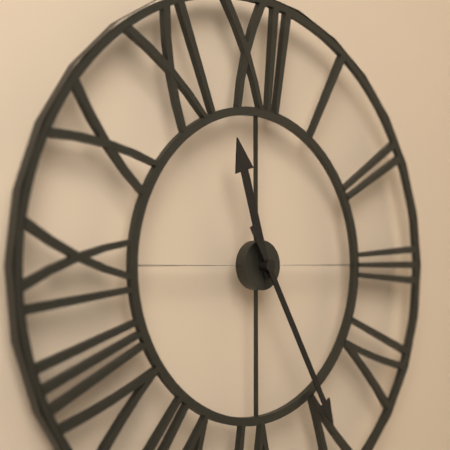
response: 11h25
